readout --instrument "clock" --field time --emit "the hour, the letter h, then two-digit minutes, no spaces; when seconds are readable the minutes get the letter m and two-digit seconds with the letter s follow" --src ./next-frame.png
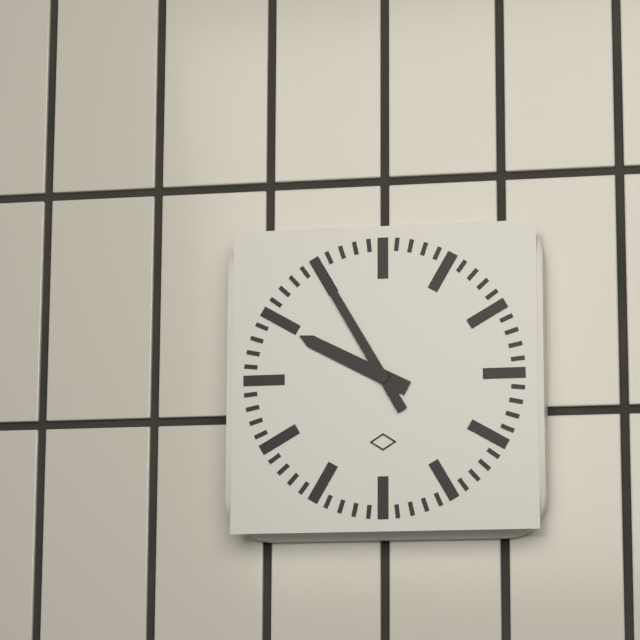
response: 9h55
